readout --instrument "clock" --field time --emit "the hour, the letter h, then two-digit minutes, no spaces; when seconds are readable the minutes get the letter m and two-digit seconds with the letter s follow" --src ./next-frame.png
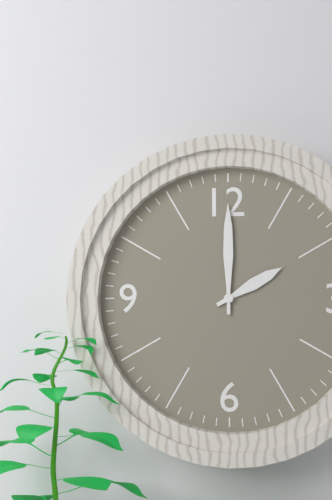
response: 2h00
